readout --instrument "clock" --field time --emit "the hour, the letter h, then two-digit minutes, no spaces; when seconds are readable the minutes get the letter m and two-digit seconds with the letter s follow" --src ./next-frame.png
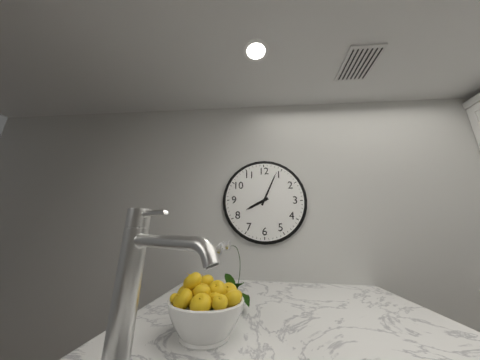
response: 8h04
